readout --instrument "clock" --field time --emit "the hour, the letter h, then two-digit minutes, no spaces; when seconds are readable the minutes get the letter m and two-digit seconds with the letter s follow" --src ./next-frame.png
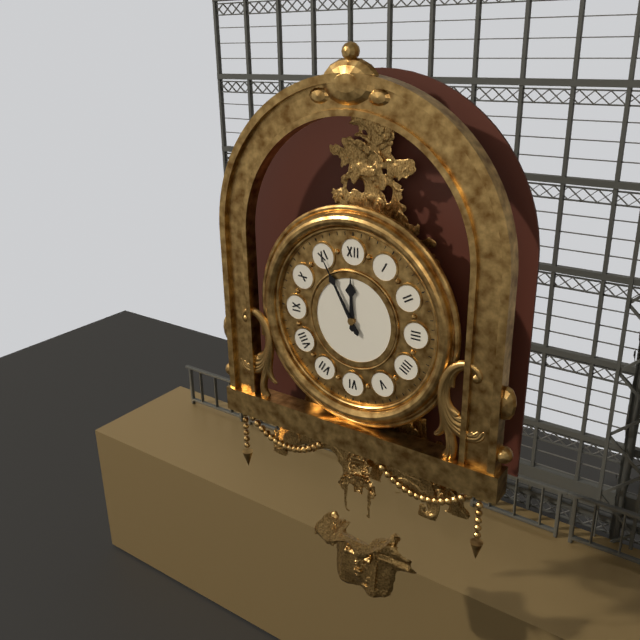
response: 11h55
